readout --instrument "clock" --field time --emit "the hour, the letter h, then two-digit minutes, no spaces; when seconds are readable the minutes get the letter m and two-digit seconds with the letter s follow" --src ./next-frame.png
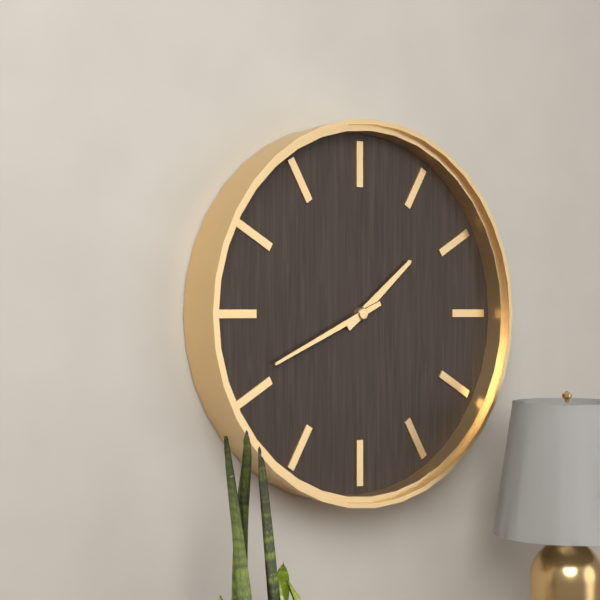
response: 1h41
